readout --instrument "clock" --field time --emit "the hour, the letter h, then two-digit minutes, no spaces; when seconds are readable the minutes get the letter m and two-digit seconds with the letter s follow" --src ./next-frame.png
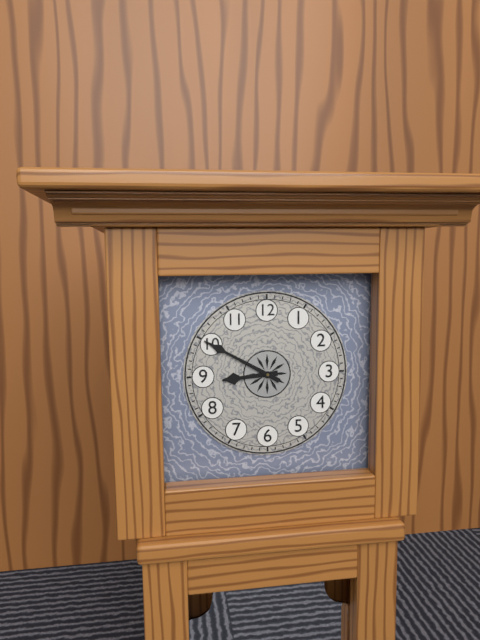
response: 8h50
